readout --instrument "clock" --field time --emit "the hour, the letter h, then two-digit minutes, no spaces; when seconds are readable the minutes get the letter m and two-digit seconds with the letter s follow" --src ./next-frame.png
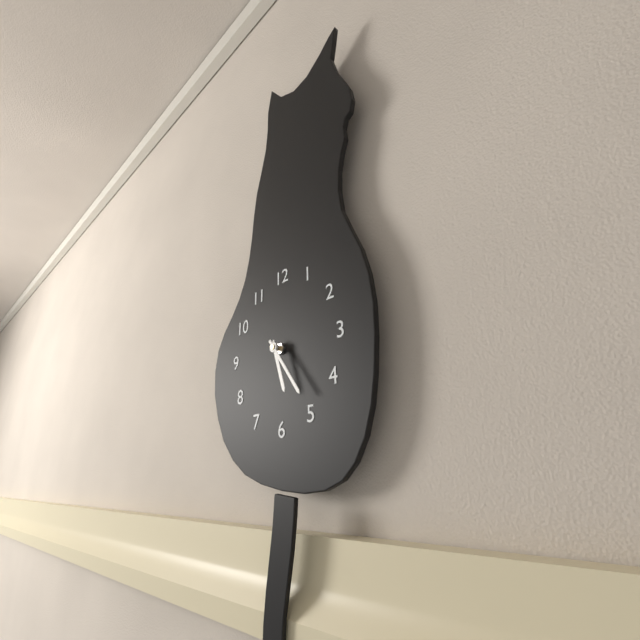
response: 5h24
